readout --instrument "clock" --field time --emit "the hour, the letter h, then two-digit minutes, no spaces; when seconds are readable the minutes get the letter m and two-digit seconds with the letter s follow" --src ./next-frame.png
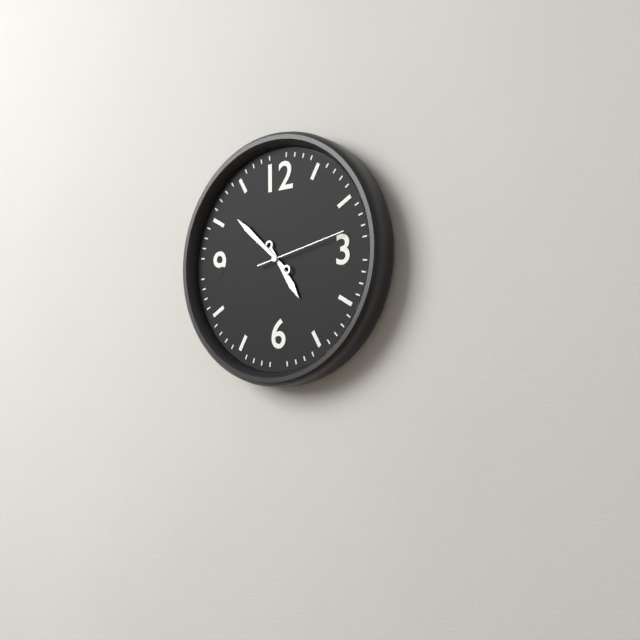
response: 4h52m13s
